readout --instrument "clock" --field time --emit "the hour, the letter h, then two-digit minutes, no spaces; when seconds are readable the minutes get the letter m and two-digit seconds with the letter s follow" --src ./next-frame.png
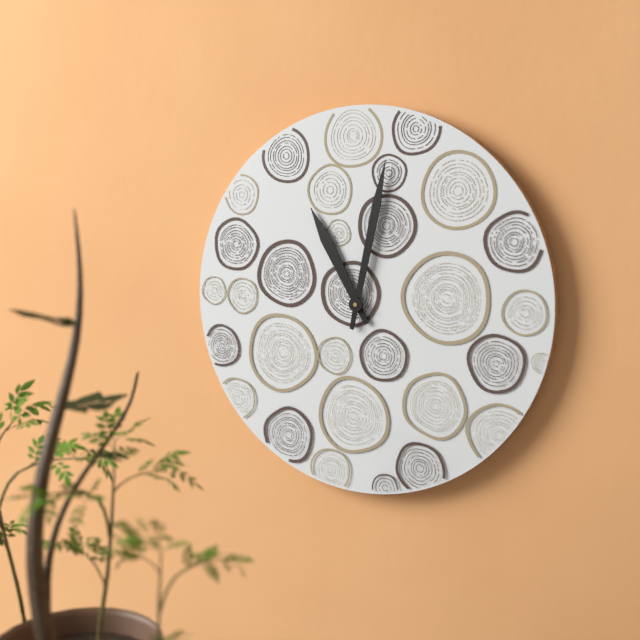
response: 11h02
